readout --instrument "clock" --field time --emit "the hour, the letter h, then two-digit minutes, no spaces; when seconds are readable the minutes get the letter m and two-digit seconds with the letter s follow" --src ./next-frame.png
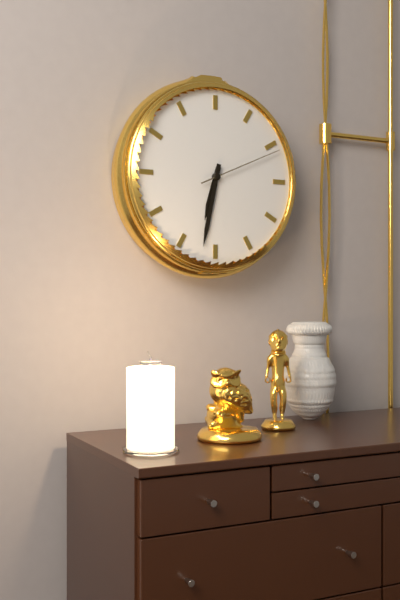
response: 6h32m11s
